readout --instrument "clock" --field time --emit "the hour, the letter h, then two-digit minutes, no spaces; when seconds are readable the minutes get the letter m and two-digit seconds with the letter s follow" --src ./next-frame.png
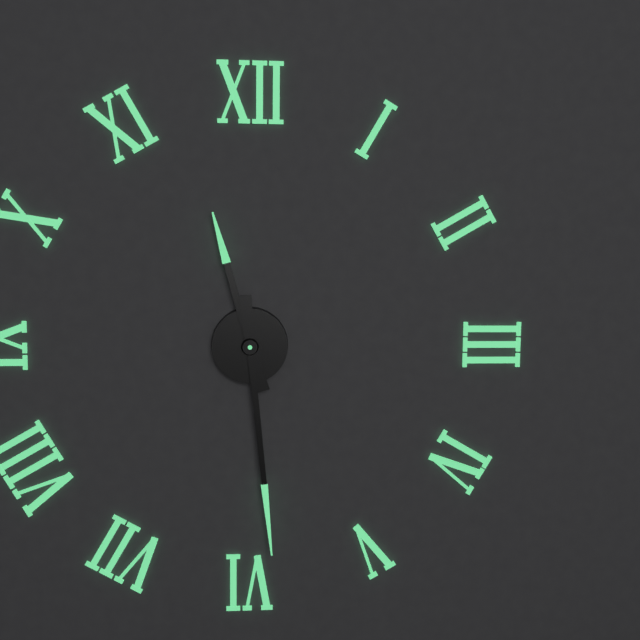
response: 11h29
